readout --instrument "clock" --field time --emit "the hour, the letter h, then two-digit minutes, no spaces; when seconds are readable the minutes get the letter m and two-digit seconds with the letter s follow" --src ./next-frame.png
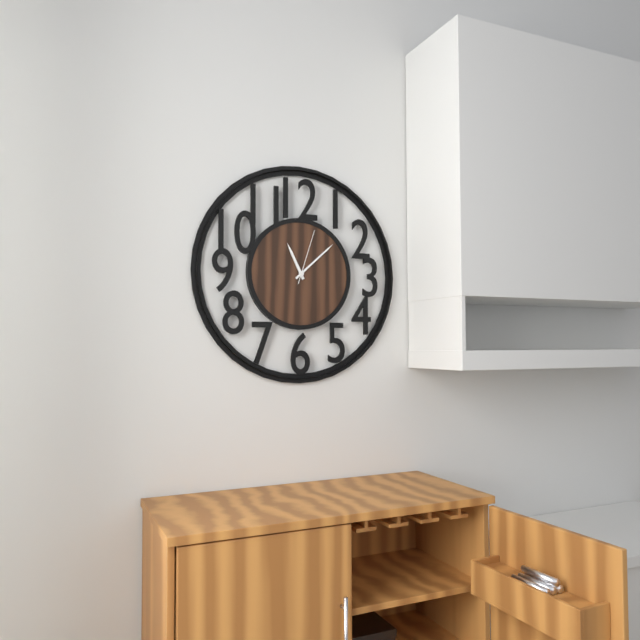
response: 11h08m03s
